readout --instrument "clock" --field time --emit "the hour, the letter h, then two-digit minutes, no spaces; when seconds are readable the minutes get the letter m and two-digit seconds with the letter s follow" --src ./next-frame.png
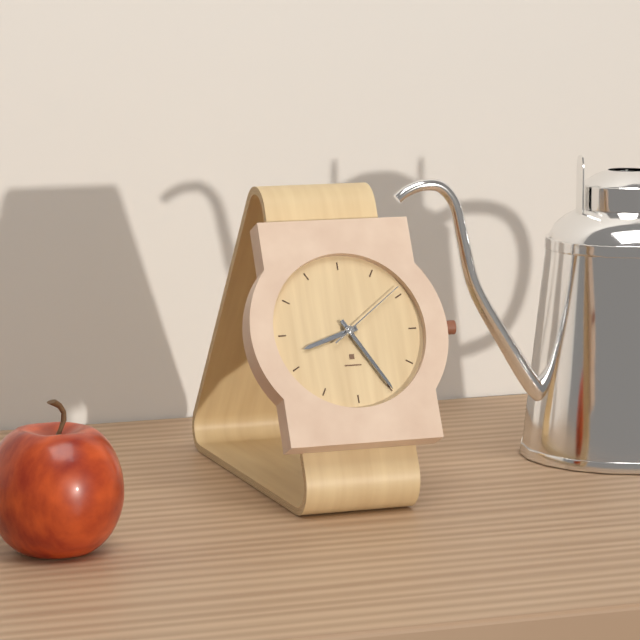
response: 8h25m09s
